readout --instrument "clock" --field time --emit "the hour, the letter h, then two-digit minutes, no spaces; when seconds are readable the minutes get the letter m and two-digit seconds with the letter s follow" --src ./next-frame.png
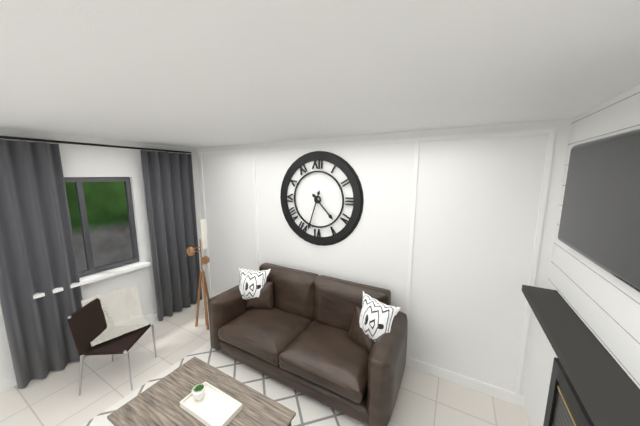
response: 4h33
